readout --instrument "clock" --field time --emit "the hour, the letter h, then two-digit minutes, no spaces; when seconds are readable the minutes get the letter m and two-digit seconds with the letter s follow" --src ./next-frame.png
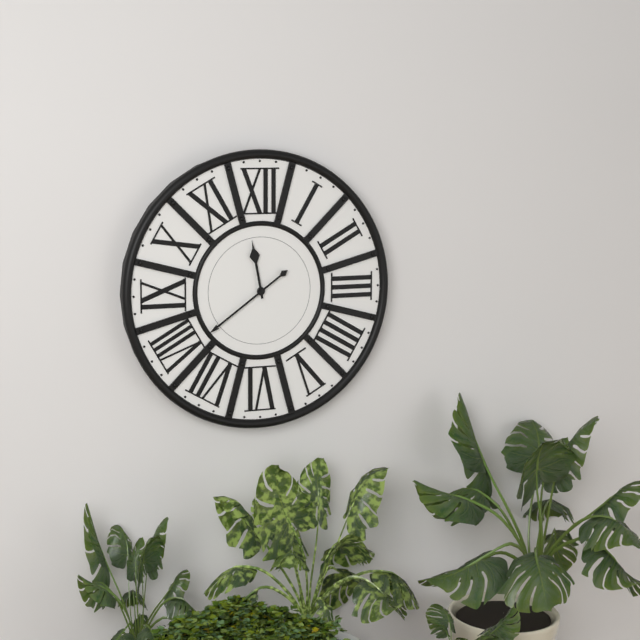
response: 11h39
